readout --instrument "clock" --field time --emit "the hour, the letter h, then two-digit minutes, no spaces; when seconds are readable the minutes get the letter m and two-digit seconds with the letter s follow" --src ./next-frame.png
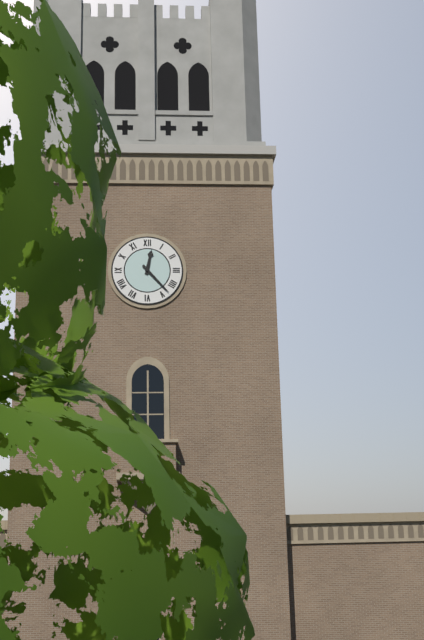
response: 12h23
